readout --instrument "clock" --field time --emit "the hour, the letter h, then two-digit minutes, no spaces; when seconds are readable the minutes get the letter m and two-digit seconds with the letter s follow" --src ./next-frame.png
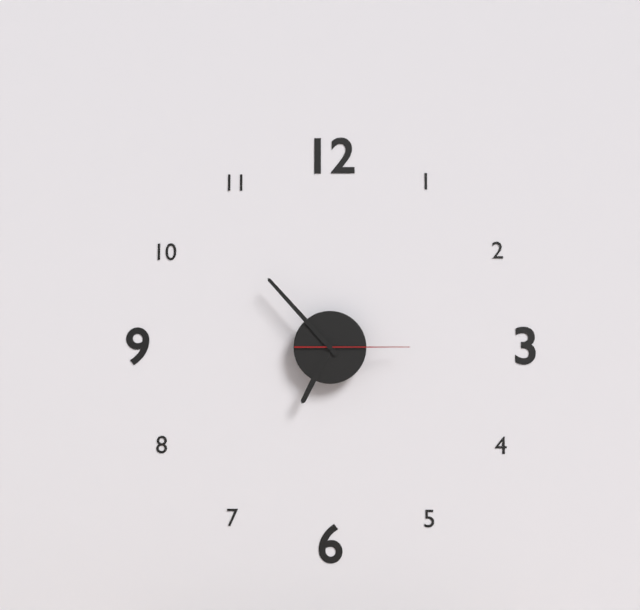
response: 6h53m15s
